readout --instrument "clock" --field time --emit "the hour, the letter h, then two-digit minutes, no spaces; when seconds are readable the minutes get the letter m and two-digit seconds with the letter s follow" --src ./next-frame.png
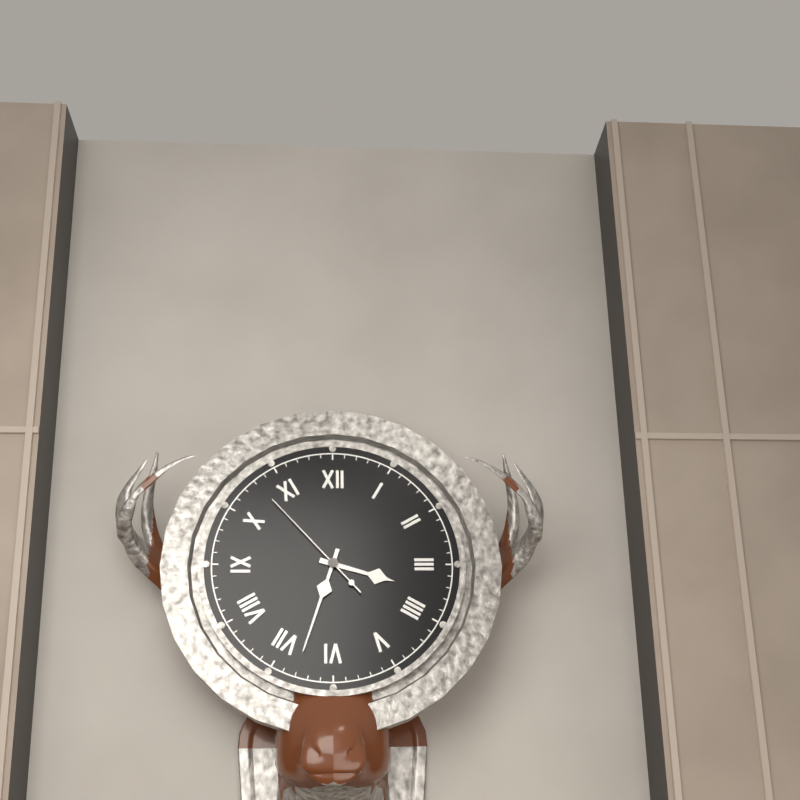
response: 3h33m53s
